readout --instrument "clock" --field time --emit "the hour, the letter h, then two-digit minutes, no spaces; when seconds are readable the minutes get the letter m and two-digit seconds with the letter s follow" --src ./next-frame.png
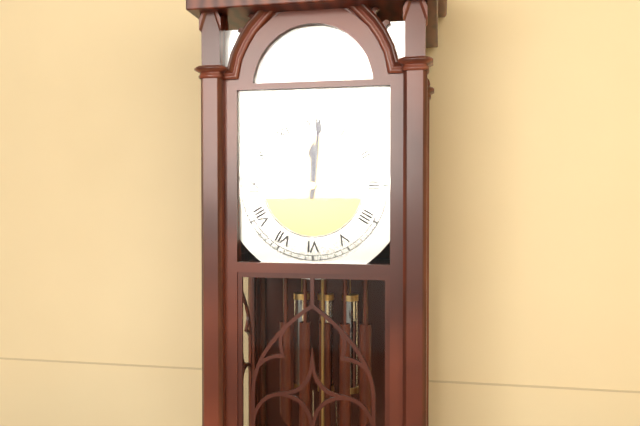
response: 12h01
